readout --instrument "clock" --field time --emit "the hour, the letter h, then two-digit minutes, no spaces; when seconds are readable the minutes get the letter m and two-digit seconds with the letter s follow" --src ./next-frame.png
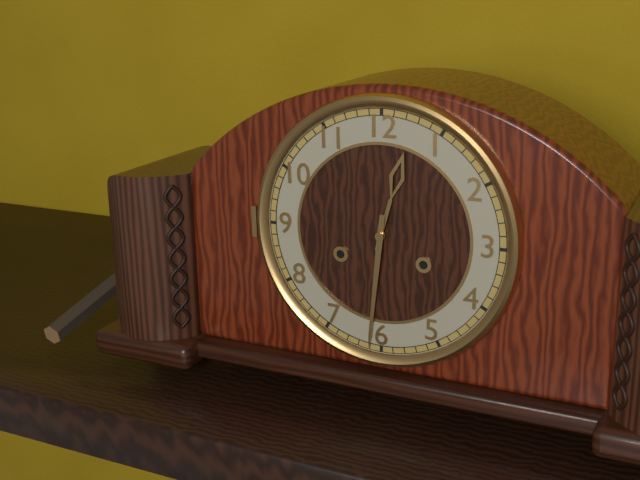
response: 12h31
